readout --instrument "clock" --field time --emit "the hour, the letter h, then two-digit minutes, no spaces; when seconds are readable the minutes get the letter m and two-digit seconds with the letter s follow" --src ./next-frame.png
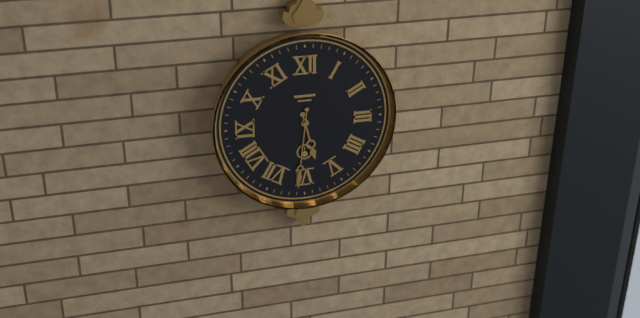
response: 5h31
